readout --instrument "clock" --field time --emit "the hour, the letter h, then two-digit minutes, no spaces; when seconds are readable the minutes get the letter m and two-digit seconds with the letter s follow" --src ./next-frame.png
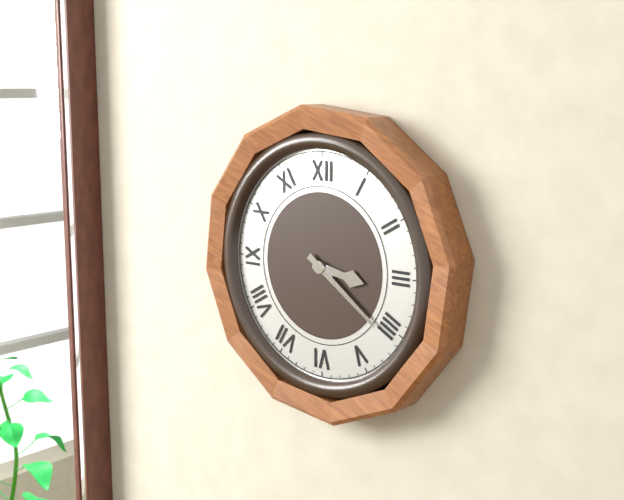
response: 3h21
